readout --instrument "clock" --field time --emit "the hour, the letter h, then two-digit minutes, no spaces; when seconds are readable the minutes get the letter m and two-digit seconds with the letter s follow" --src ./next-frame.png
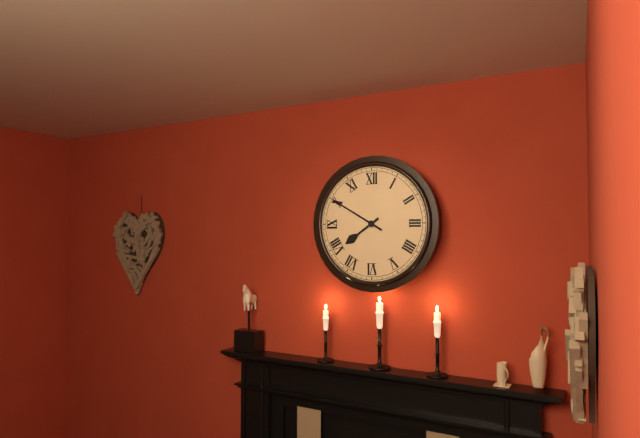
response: 7h50
